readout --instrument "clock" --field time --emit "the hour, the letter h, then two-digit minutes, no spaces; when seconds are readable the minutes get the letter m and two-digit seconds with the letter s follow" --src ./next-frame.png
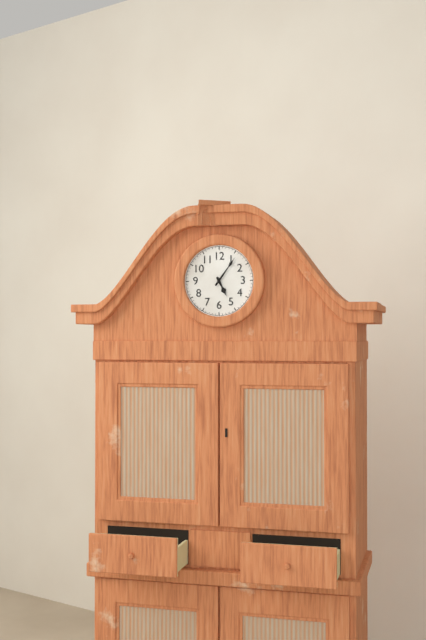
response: 5h06
